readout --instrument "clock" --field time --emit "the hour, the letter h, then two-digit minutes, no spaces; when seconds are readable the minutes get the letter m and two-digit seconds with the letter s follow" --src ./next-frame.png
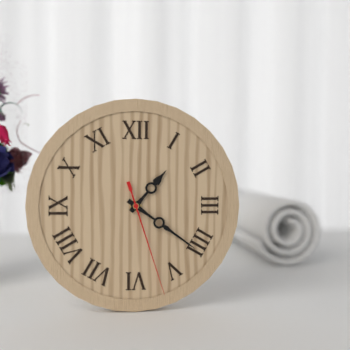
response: 1h21m27s
